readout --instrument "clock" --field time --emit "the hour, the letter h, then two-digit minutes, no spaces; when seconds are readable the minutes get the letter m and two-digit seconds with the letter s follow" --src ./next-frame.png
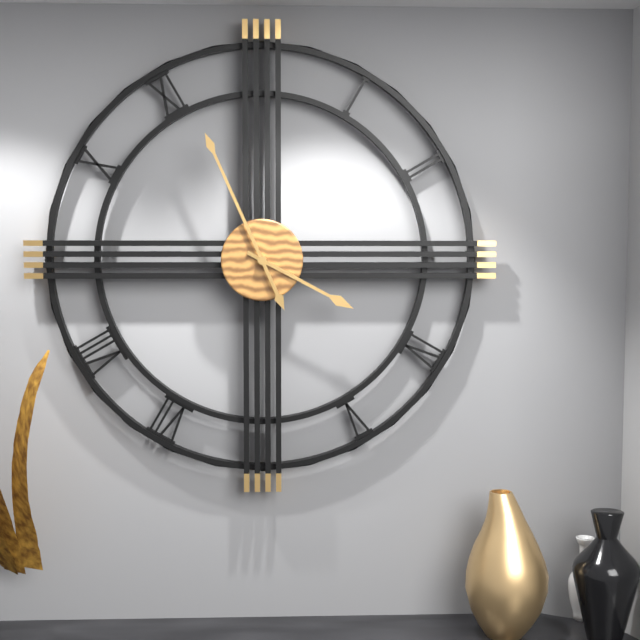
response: 3h56
